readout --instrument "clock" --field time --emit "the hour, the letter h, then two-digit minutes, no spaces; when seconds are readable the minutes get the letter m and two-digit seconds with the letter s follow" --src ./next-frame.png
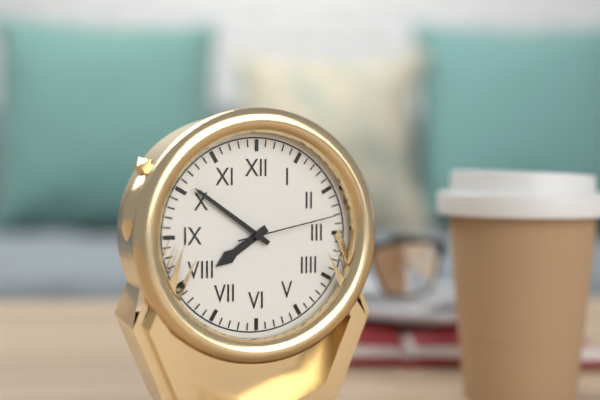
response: 7h51m13s
